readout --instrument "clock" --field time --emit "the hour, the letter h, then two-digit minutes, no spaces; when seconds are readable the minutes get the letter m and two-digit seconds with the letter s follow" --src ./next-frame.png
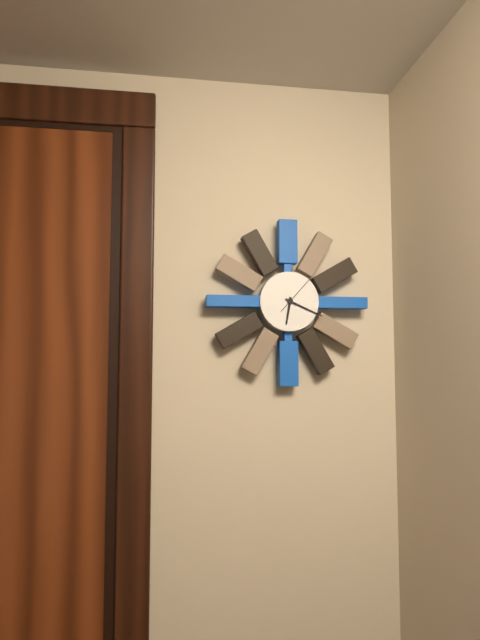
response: 6h19
